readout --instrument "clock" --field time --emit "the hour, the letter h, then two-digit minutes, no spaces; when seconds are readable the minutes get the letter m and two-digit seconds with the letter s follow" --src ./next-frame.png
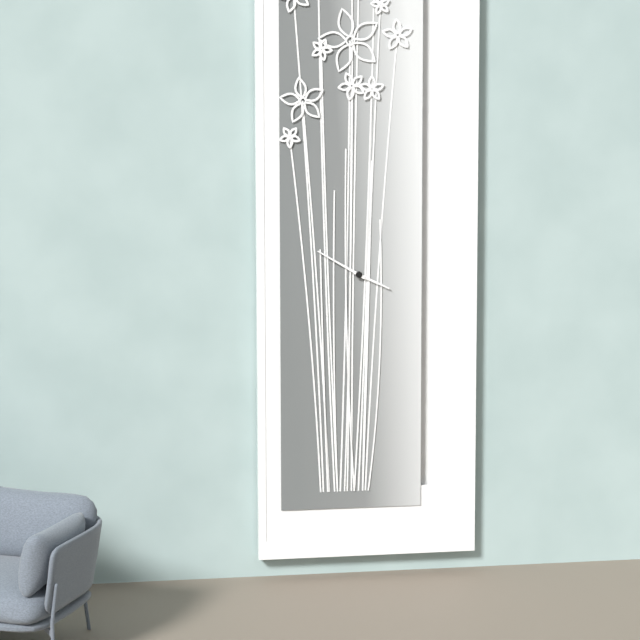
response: 3h50
